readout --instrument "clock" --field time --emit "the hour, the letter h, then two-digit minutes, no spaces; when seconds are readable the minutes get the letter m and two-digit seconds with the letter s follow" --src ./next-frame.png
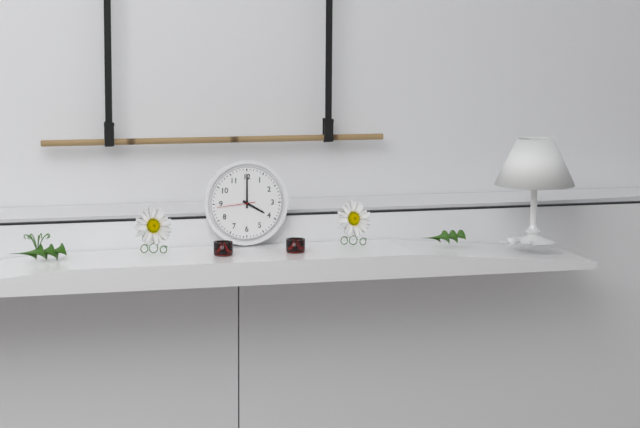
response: 4h00
